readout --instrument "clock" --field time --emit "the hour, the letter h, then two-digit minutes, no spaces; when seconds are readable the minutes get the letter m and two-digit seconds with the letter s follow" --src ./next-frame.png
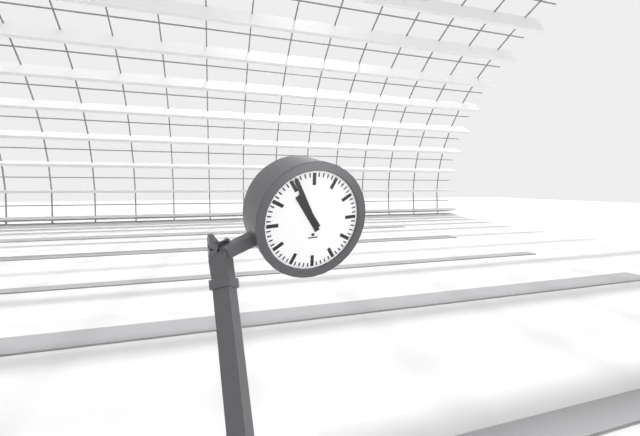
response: 10h56
